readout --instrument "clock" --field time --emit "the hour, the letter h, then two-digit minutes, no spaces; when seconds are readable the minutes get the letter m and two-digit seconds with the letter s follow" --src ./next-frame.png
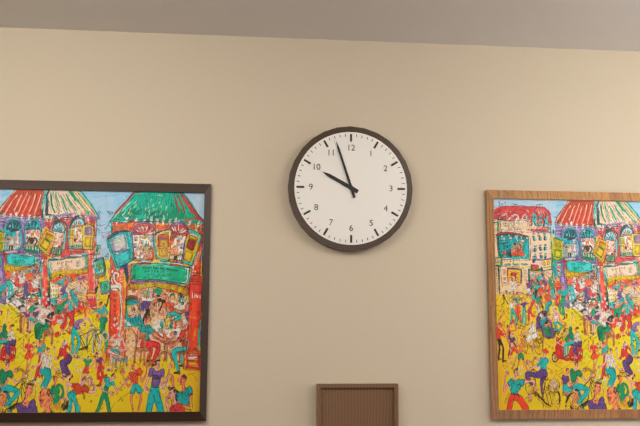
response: 9h57
